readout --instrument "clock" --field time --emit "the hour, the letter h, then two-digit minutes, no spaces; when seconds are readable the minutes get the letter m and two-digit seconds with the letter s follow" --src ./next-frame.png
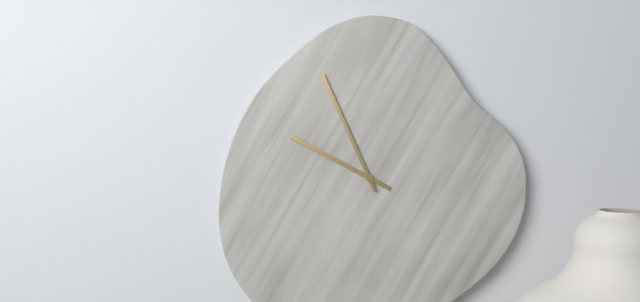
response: 9h56
